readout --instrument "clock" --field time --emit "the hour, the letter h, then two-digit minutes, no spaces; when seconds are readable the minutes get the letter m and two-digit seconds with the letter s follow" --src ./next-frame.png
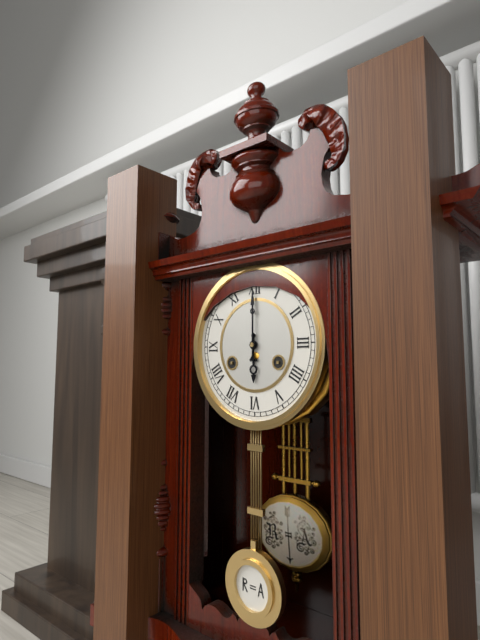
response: 6h00
